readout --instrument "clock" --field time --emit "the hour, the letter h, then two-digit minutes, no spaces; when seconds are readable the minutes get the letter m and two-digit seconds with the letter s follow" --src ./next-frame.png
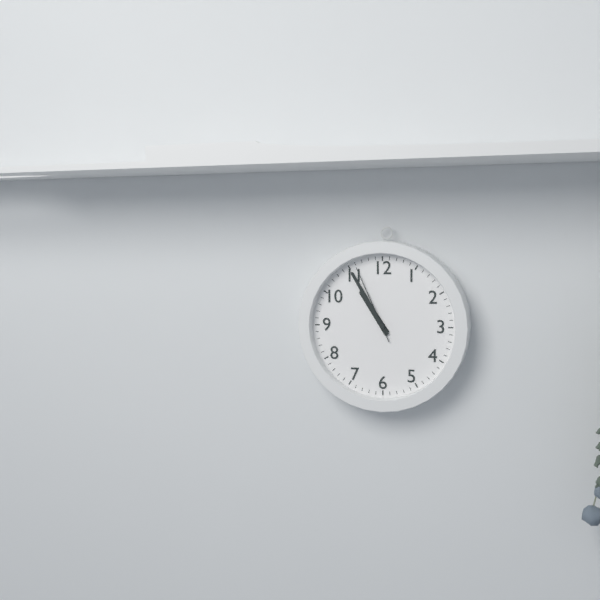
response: 10h55m56s
